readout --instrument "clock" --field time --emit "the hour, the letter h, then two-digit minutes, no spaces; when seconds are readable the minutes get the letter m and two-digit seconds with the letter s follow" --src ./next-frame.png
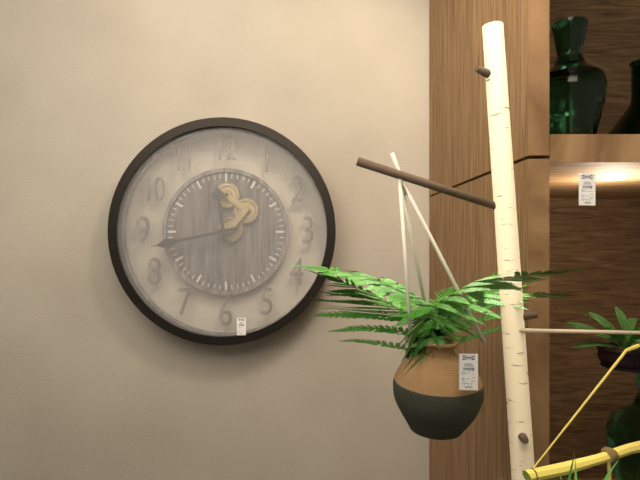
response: 11h43
